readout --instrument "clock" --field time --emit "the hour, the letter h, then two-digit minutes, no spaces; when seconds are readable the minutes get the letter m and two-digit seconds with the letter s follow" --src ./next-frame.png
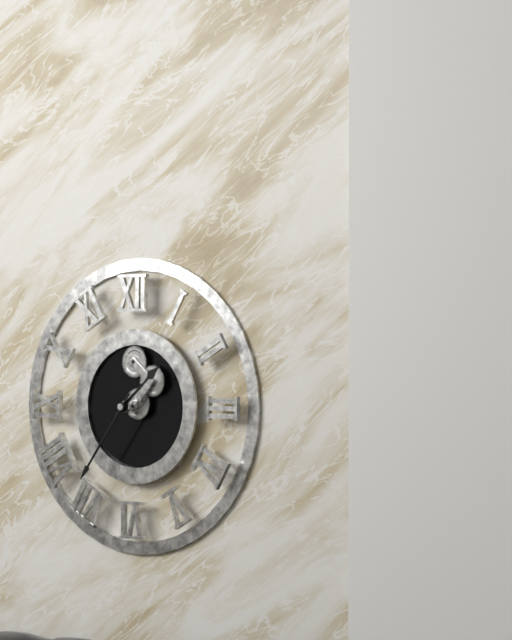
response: 1h36
